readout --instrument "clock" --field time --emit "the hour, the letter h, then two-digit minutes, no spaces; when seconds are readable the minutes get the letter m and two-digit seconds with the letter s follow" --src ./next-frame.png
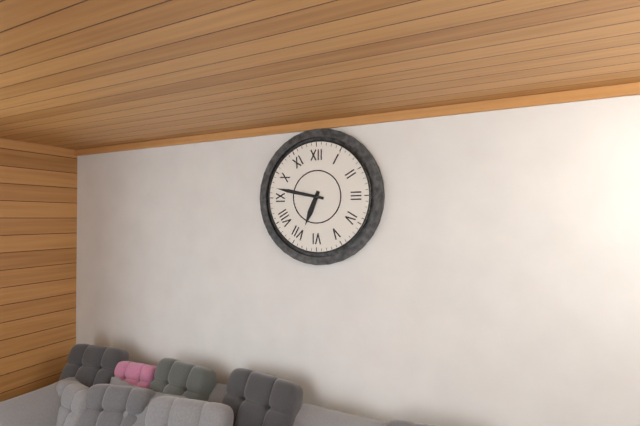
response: 6h47
